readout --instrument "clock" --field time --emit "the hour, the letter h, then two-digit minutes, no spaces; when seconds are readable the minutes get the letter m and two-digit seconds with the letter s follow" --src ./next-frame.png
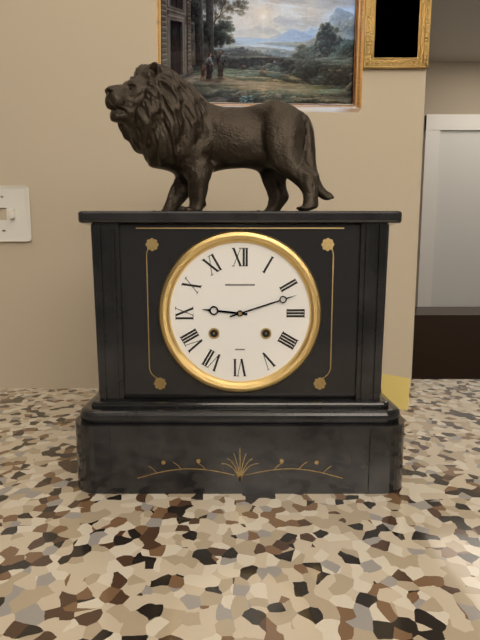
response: 9h12
